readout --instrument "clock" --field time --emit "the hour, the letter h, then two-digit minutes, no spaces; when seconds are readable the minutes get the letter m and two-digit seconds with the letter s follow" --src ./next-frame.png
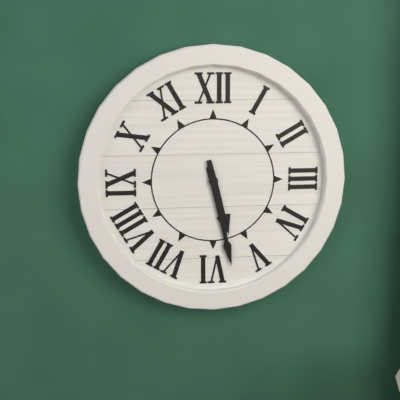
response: 5h28
